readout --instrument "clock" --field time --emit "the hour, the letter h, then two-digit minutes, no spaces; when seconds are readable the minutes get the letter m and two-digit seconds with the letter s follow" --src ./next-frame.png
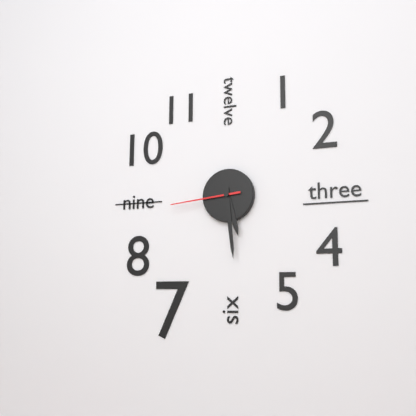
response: 5h29m44s
